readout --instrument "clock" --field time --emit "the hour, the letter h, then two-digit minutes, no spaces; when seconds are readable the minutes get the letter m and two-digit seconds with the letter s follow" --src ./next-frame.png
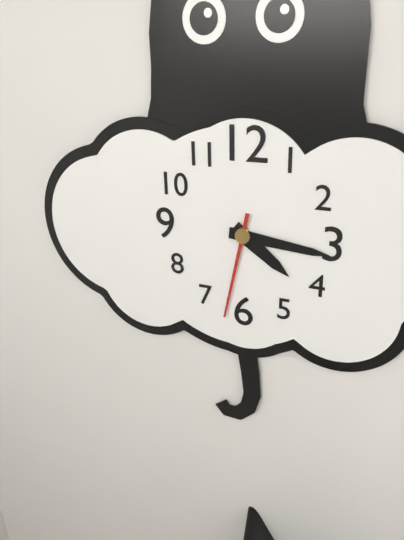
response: 4h16m32s
